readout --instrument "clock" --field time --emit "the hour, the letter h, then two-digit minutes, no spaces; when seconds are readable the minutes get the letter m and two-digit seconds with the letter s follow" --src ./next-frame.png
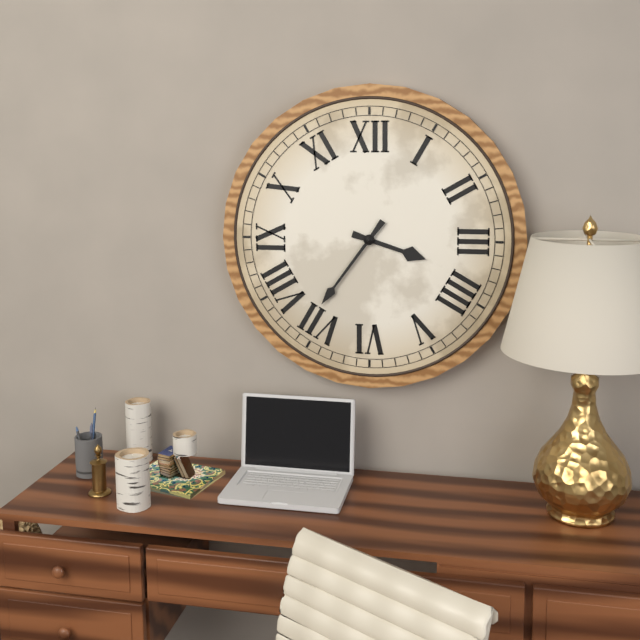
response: 3h36
